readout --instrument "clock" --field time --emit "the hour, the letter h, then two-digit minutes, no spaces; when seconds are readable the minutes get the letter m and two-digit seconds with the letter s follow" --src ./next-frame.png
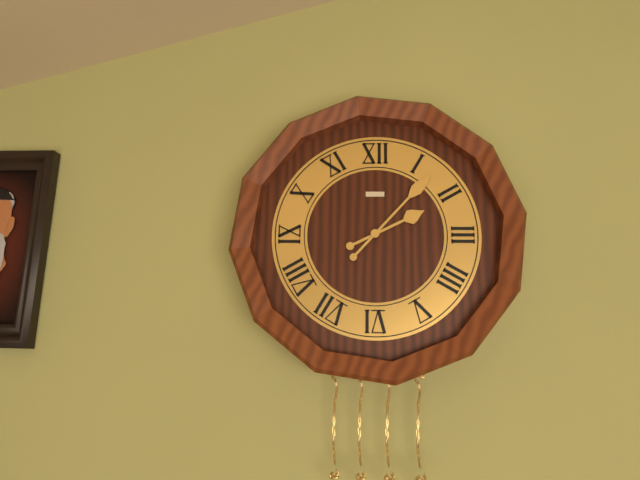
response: 2h07
